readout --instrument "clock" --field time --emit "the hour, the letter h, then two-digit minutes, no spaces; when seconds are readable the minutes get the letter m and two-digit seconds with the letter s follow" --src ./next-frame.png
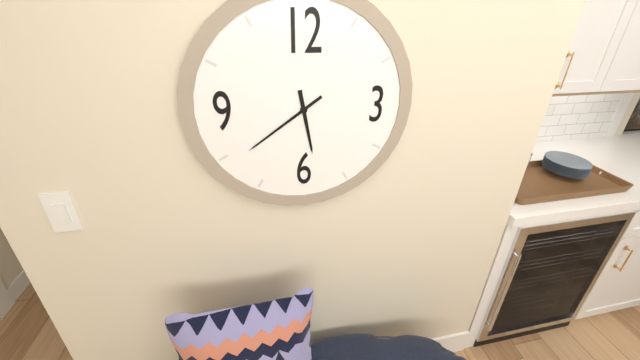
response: 5h39
